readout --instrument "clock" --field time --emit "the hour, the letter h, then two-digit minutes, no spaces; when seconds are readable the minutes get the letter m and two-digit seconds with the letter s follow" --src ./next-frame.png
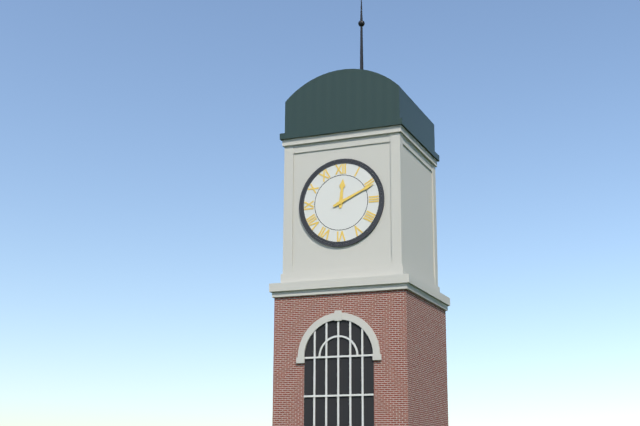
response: 12h11
